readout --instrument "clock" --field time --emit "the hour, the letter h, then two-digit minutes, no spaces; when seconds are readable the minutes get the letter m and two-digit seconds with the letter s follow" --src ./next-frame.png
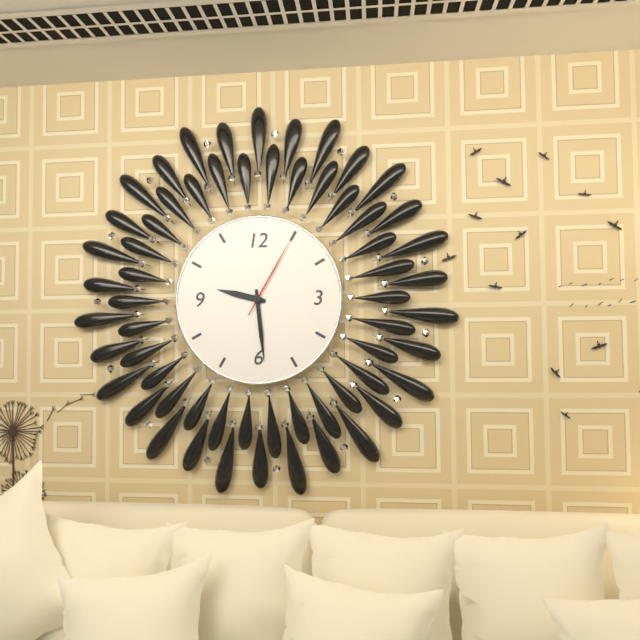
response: 9h29m05s
